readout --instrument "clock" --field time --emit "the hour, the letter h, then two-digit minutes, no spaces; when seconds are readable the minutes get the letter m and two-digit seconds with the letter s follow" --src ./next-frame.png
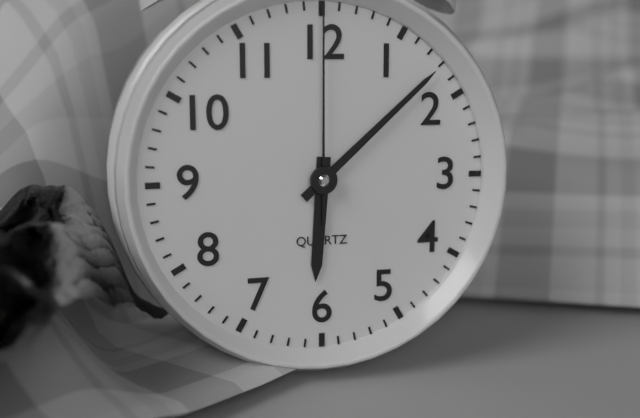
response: 6h08m00s
